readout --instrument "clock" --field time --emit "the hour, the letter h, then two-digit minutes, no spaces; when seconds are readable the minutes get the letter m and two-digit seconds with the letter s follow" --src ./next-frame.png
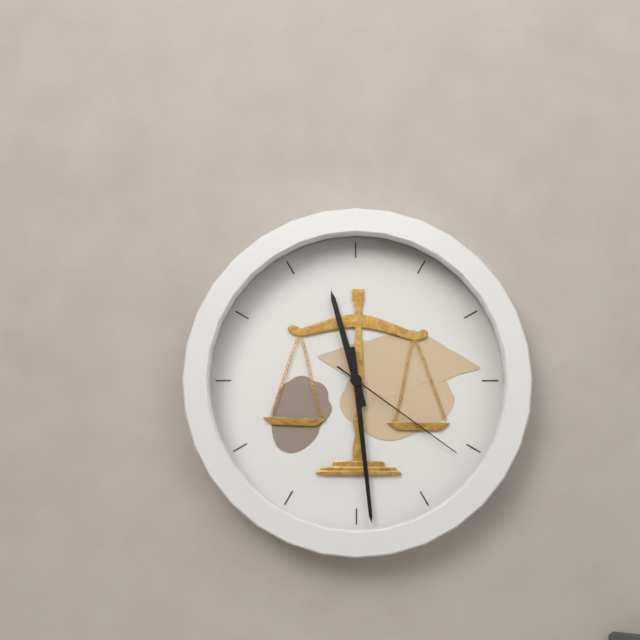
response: 11h29m21s
